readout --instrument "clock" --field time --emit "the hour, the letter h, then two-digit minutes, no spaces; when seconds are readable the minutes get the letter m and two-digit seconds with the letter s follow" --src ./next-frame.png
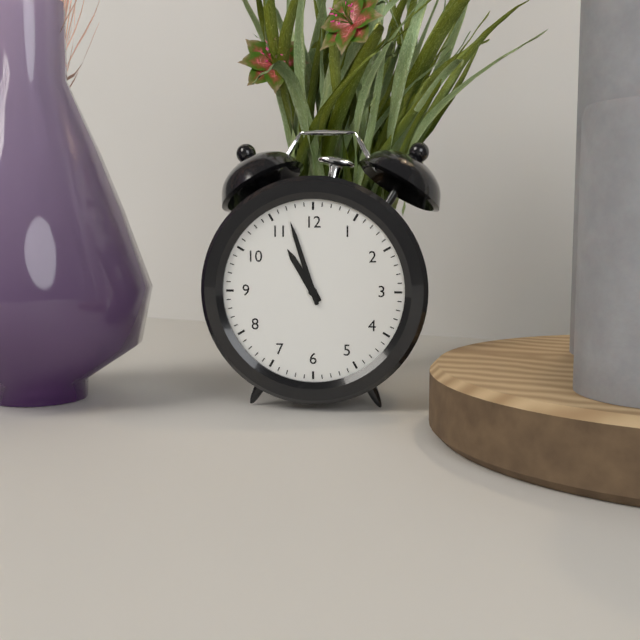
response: 10h57
